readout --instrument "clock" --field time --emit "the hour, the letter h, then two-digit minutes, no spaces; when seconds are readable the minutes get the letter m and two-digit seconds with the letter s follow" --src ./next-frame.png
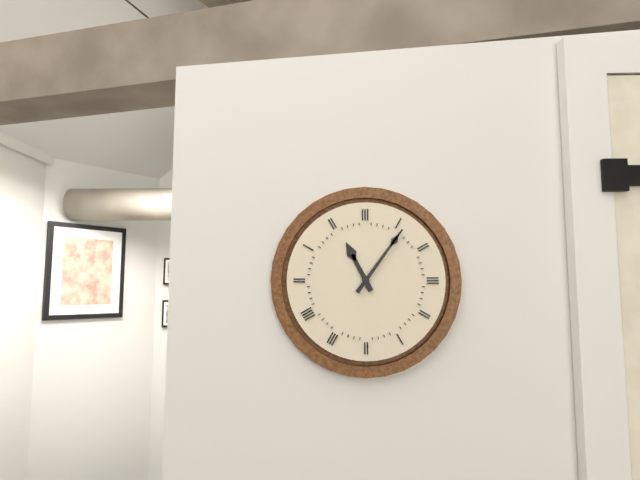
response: 11h06
